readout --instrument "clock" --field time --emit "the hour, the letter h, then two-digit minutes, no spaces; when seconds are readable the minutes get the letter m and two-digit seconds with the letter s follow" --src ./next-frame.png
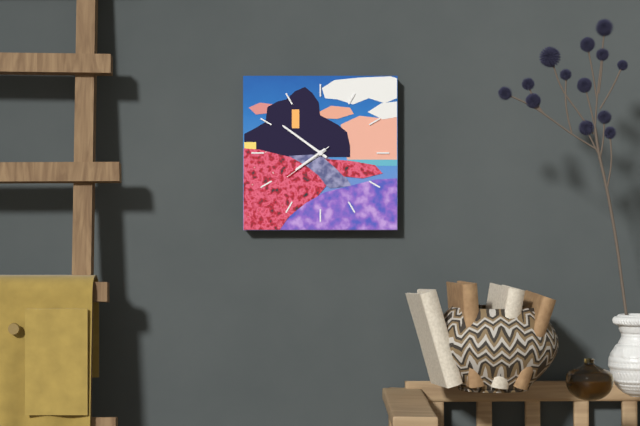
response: 7h51m39s
